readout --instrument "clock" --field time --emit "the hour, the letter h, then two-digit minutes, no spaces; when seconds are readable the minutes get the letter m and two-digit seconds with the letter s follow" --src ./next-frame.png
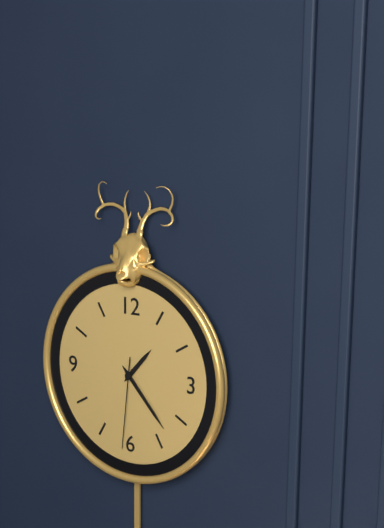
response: 1h23m31s
